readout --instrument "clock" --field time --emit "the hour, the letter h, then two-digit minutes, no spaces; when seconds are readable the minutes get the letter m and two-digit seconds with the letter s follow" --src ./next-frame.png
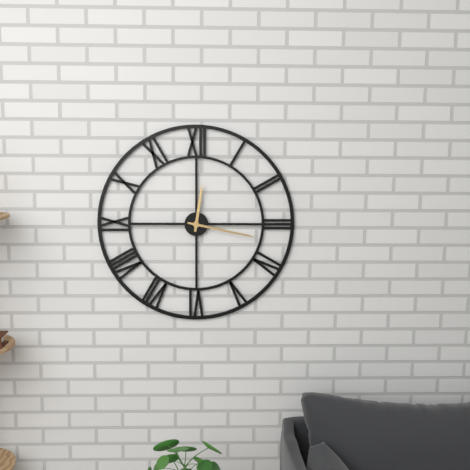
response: 12h17
